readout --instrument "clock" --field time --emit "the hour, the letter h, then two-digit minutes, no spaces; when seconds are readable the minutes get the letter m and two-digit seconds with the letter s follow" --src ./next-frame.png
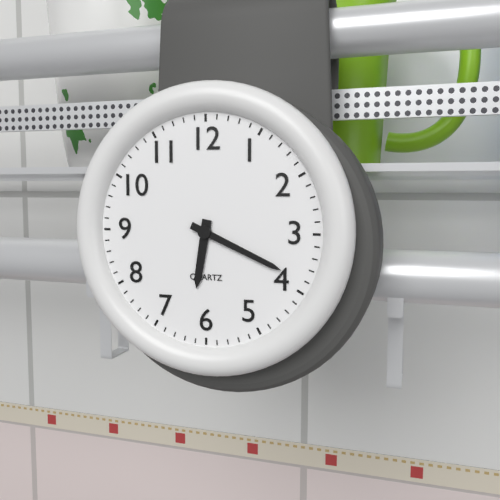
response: 6h19
